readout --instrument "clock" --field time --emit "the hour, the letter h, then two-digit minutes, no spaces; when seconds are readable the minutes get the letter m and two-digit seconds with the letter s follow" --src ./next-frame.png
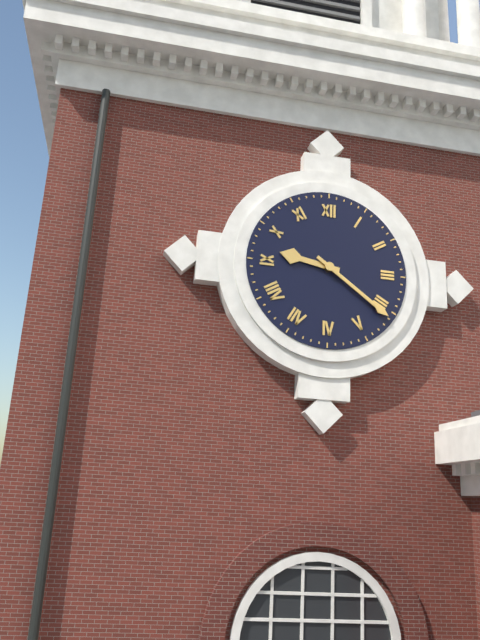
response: 9h21
